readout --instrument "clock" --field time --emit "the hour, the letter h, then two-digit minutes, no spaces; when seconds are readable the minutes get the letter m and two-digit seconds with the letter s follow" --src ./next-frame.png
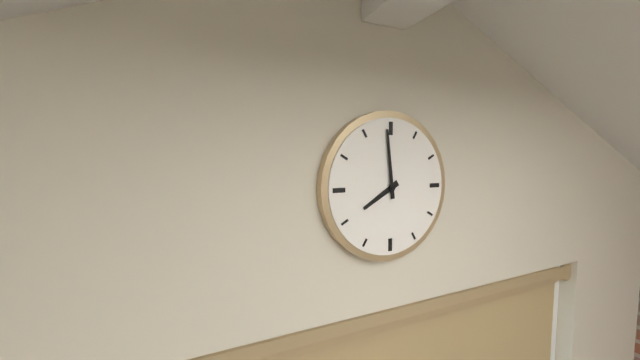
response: 7h59
